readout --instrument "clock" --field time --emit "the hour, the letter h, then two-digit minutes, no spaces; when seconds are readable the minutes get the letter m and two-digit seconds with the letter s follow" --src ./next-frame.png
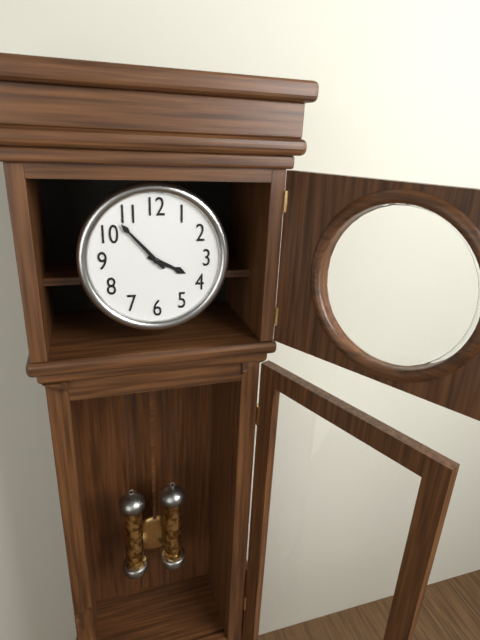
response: 3h53
